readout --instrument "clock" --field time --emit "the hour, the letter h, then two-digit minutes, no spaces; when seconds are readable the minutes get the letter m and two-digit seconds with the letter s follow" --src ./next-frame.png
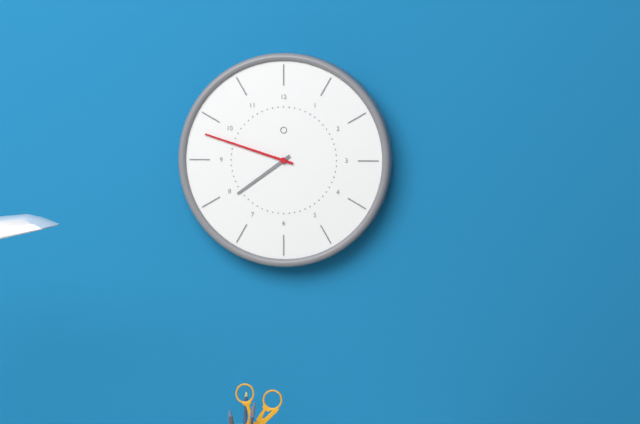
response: 7h48
